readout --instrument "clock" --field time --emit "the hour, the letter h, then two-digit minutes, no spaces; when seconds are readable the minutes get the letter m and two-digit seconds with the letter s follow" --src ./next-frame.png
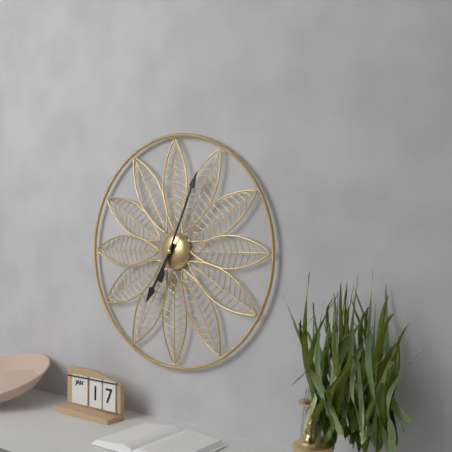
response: 7h04
